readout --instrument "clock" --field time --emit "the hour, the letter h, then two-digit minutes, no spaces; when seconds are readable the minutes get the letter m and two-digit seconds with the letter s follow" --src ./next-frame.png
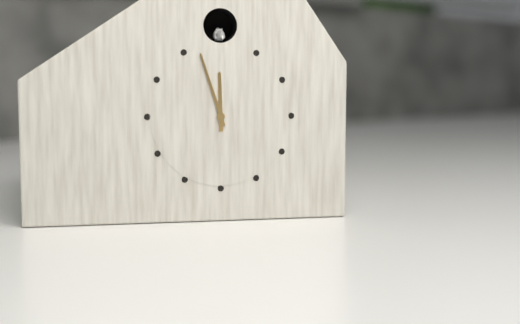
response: 11h57
